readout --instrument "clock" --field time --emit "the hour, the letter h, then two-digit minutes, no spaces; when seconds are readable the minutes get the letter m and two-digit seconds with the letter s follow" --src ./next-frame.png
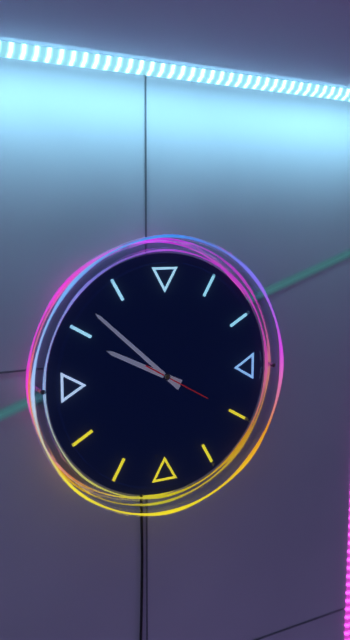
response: 9h52m20s
